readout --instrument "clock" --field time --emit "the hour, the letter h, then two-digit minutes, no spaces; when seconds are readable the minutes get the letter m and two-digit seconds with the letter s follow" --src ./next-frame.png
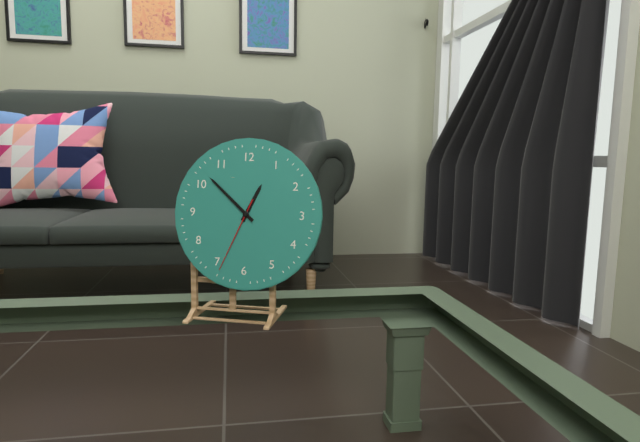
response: 12h52m34s
